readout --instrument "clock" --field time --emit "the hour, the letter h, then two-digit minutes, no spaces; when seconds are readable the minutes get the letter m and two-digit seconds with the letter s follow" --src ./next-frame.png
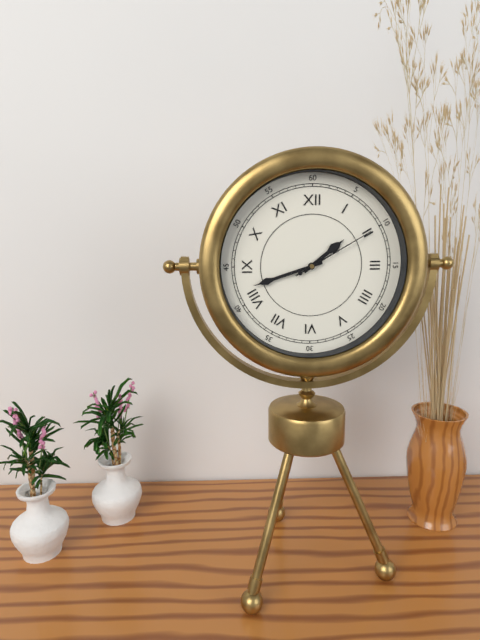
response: 1h42m10s
